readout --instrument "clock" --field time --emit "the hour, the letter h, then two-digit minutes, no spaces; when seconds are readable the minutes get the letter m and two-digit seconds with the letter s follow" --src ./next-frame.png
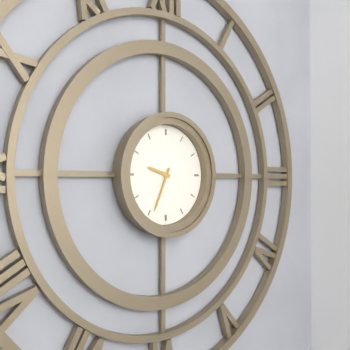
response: 9h34
